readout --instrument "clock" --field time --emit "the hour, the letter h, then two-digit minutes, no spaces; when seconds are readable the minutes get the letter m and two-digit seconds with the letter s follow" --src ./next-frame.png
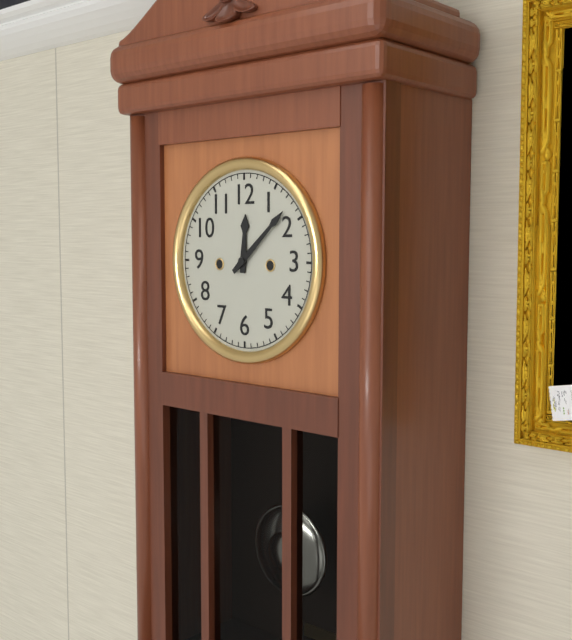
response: 12h08
